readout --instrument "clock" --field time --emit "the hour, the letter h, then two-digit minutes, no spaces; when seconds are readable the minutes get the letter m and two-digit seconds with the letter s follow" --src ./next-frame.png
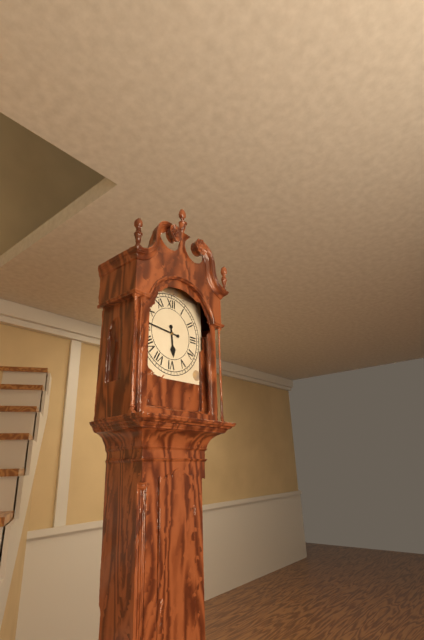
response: 5h46
